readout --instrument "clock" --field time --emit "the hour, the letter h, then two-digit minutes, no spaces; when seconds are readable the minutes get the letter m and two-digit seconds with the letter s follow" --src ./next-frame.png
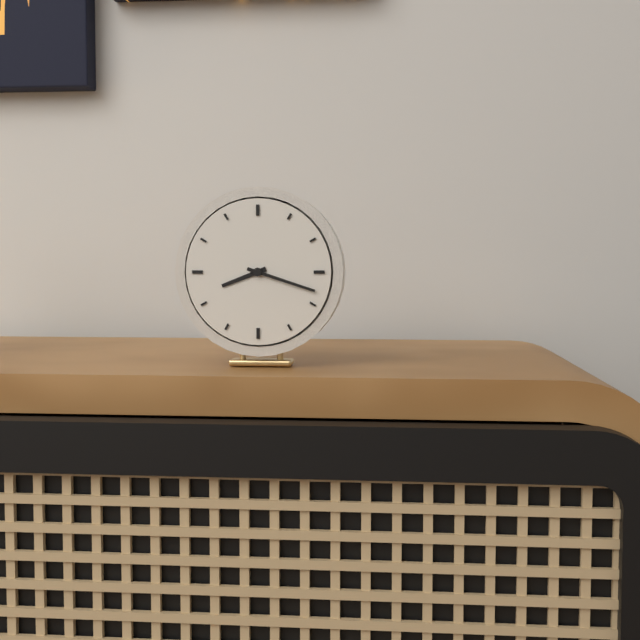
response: 8h18
